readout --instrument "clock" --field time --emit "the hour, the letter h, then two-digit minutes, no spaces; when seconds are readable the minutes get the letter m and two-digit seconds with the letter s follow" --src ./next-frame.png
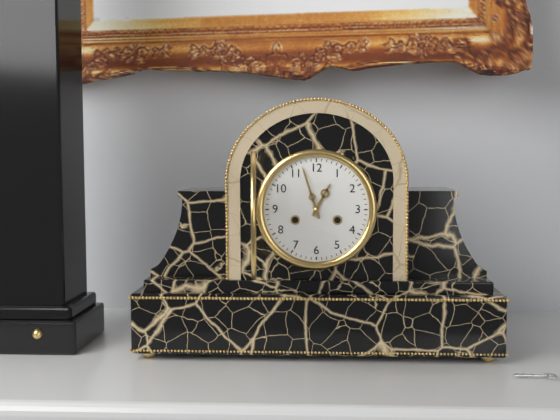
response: 12h57
